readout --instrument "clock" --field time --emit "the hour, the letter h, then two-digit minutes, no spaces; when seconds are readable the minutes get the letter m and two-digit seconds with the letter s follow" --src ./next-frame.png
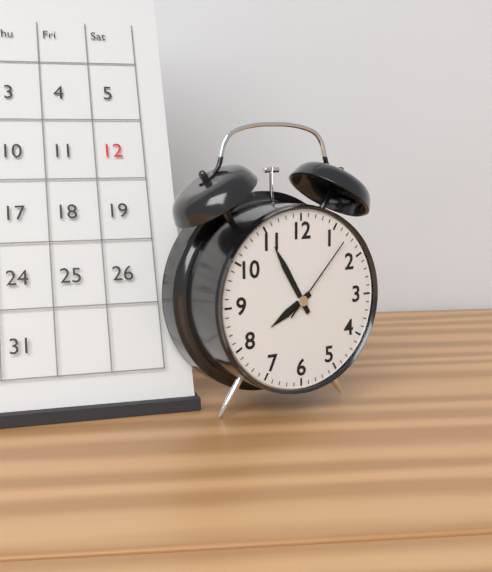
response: 7h55m07s
